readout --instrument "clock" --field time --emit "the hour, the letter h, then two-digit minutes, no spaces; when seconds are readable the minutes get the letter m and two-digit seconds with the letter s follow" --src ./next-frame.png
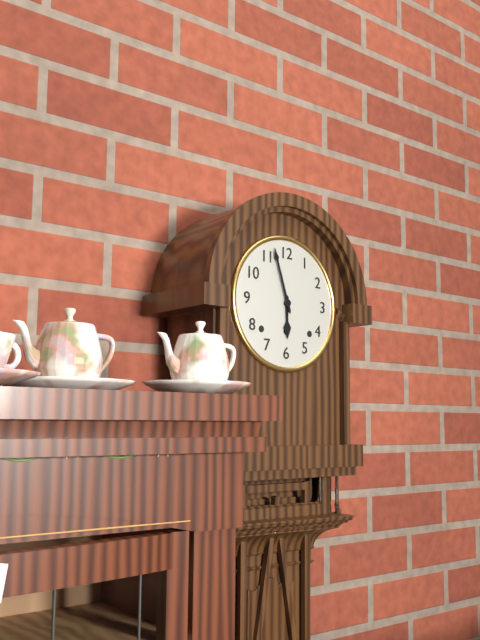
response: 5h57
